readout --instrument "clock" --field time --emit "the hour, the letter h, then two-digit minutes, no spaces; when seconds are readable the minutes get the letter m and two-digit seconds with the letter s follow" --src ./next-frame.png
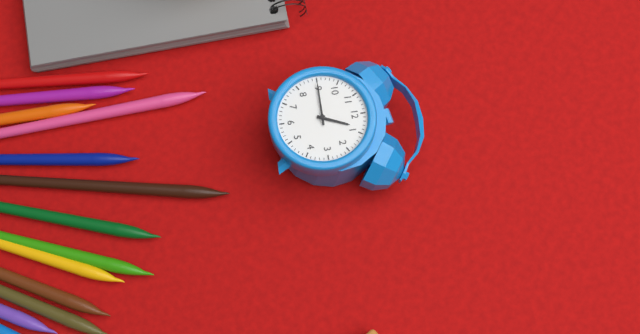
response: 12h45
